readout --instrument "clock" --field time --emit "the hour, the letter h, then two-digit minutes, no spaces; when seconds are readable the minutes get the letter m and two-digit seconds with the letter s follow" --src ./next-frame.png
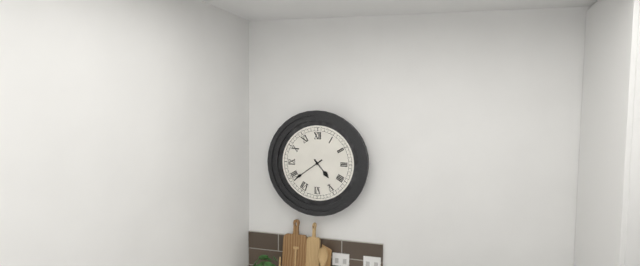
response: 4h39
